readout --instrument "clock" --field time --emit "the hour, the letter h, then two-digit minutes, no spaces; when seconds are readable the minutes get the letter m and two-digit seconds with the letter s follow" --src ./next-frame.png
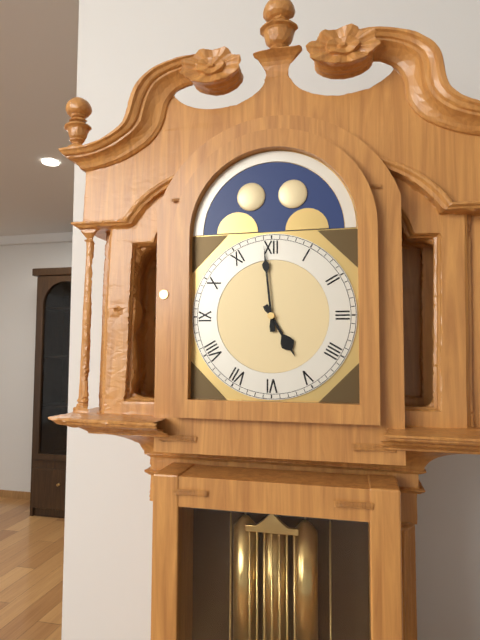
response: 4h59
